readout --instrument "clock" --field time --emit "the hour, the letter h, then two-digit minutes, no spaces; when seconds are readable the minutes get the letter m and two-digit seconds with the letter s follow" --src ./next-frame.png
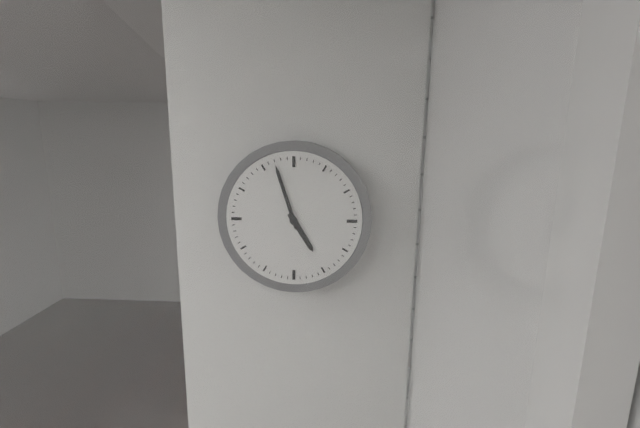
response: 4h57
